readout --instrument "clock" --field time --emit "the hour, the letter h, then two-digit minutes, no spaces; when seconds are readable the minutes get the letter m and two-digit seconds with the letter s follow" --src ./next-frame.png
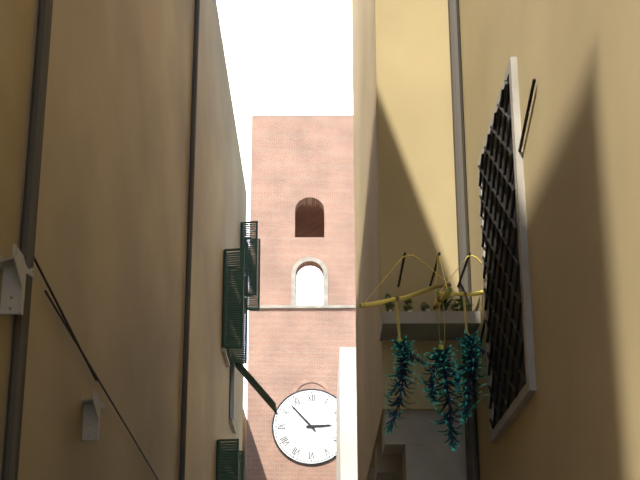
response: 2h53
